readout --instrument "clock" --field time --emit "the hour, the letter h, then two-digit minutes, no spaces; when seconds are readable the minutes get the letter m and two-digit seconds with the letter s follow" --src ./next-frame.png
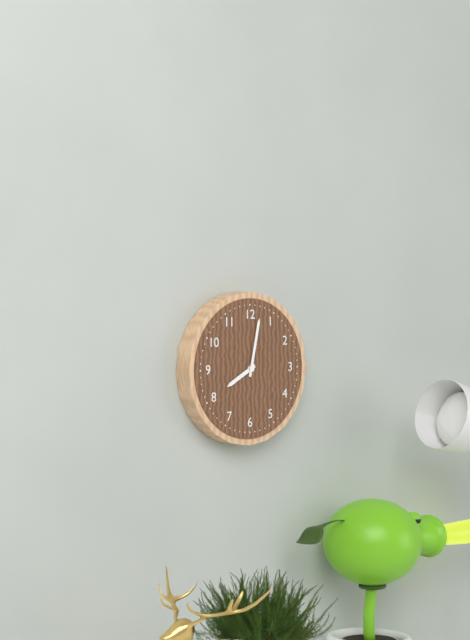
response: 8h02
